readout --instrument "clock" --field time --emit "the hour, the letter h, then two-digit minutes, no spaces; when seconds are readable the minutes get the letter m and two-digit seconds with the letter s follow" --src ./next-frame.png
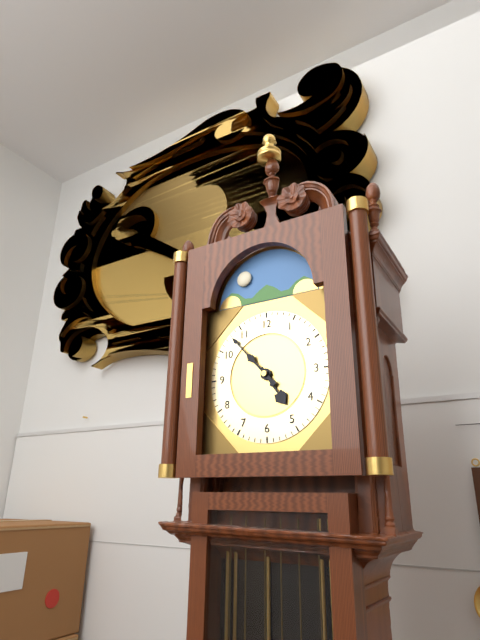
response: 4h53
